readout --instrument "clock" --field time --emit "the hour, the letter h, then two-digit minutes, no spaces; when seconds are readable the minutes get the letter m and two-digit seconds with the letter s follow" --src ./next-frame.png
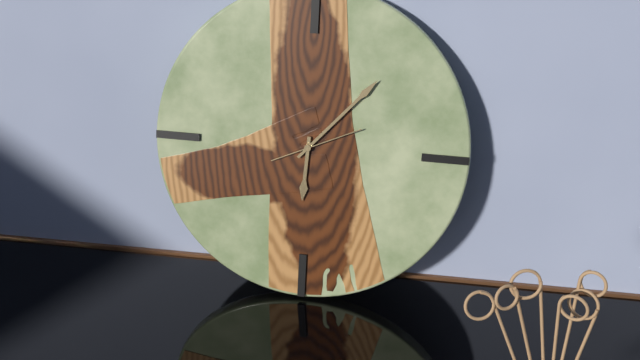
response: 6h07m11s
